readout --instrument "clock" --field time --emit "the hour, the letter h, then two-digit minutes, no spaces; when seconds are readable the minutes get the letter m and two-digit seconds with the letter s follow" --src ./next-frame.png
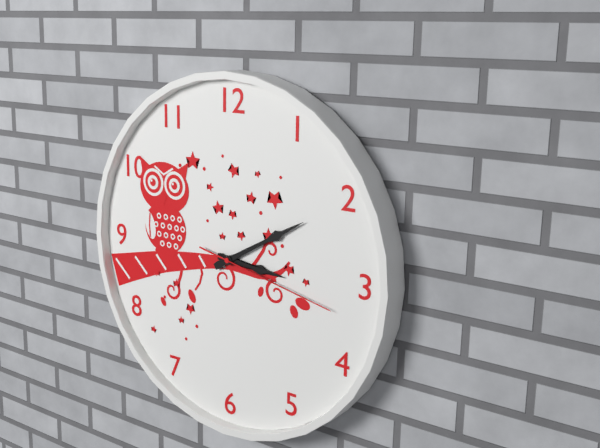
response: 3h10m17s
